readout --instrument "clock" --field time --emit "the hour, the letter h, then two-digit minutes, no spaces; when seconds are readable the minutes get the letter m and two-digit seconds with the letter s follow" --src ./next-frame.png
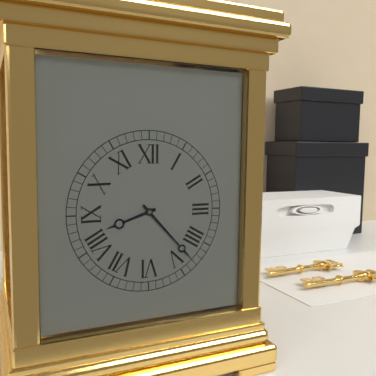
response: 8h23
